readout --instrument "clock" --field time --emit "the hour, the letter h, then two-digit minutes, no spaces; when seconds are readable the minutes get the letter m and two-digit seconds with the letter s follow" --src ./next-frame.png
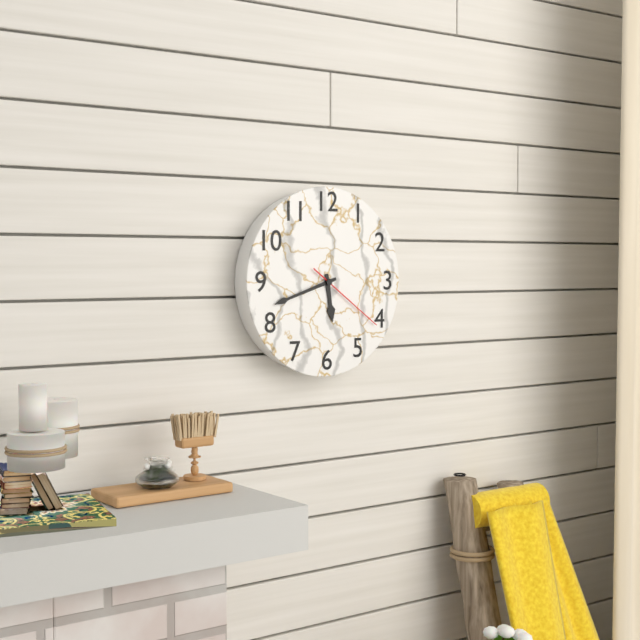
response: 5h42m21s
